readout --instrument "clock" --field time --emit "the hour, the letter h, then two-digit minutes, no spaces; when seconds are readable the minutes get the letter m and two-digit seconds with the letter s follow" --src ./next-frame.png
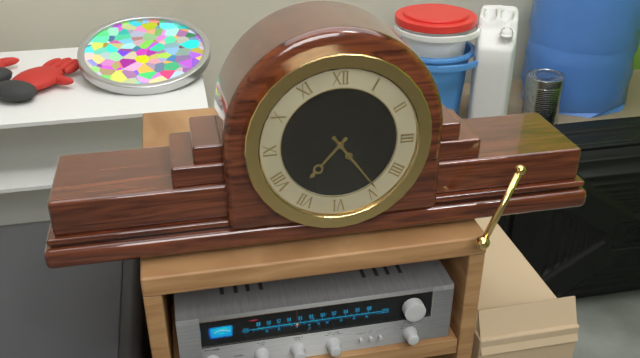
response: 7h24
